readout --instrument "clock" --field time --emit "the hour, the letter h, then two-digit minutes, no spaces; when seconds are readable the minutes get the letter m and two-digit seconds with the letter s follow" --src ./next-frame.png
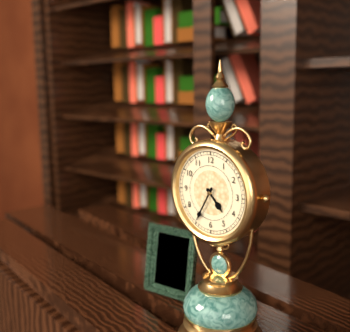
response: 4h35
